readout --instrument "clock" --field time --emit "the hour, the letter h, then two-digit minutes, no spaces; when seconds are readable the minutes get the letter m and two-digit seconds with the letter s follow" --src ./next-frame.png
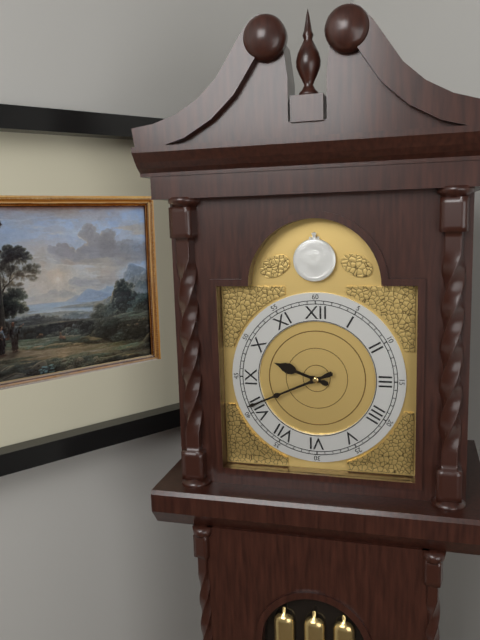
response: 9h41
